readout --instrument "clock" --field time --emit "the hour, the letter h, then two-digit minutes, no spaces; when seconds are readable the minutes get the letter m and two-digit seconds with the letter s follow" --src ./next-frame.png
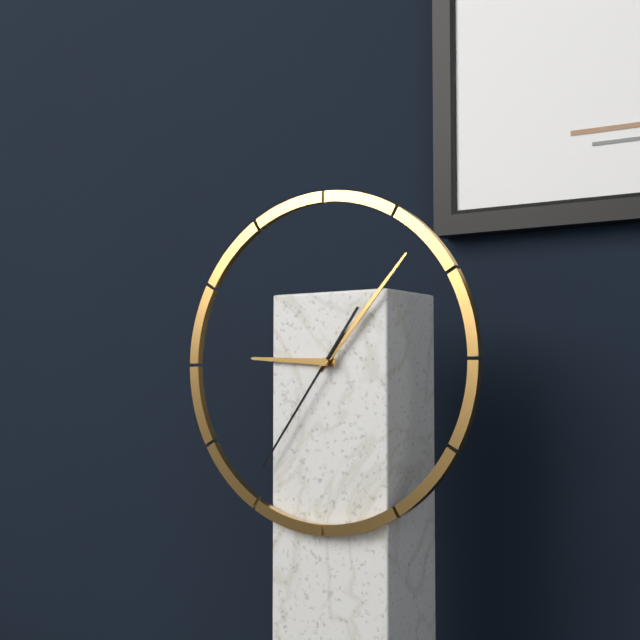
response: 9h07m36s
